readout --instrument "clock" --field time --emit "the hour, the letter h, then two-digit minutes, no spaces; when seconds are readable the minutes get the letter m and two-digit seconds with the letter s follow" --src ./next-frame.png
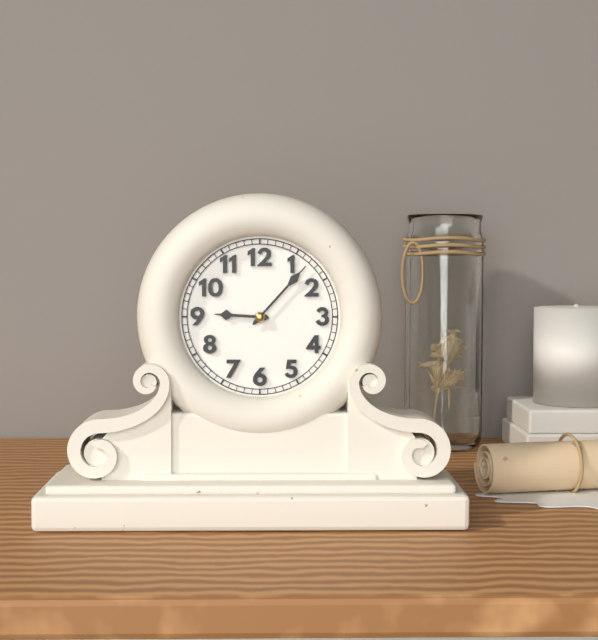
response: 9h07
